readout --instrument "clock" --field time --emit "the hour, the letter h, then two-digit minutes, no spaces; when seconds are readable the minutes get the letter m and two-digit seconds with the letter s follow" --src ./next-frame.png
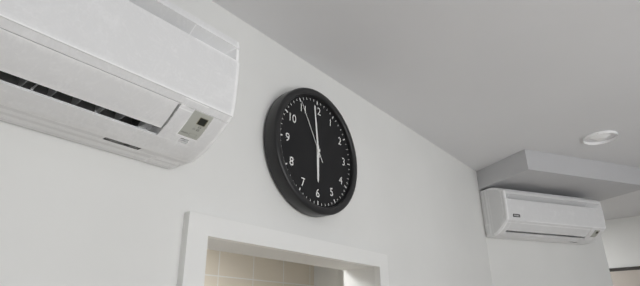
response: 5h59m55s
